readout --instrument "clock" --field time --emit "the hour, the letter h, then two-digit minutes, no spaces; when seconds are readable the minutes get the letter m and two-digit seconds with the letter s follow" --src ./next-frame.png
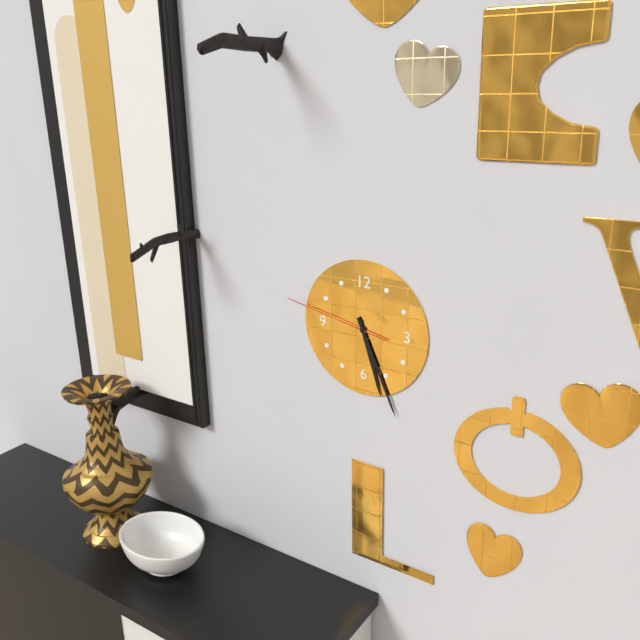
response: 5h26m47s
